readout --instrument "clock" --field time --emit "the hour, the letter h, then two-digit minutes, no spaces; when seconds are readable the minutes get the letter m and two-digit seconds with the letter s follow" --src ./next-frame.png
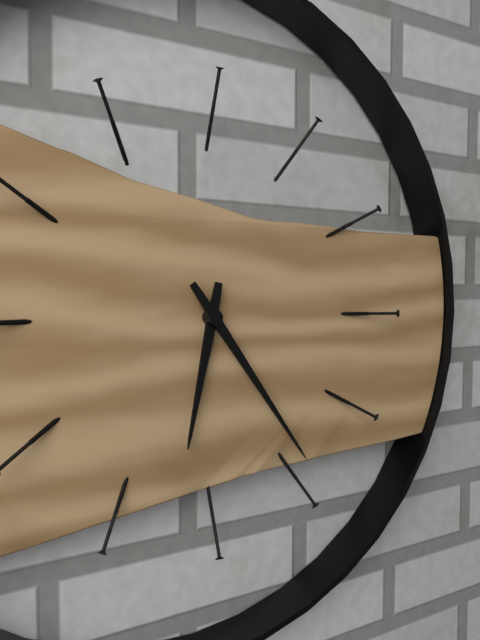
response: 6h24
